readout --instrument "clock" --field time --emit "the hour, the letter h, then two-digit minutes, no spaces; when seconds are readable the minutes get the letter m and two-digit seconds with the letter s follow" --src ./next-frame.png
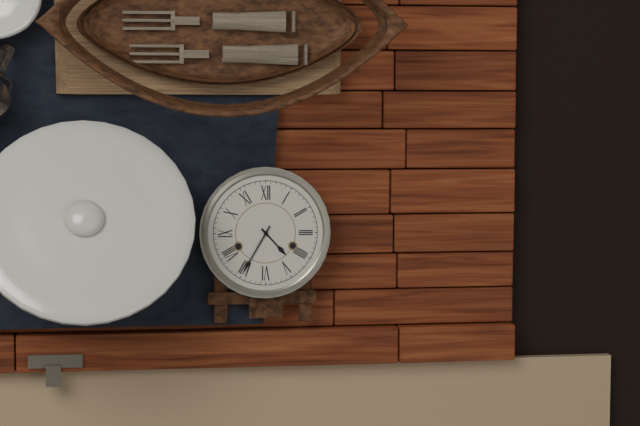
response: 4h35
